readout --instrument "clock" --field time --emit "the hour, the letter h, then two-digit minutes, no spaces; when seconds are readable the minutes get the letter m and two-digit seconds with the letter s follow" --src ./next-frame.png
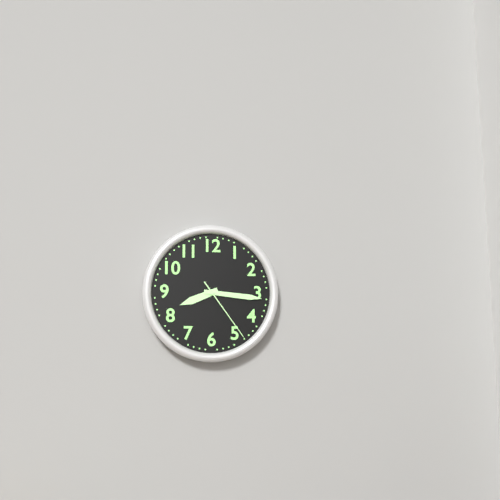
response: 8h16m24s
